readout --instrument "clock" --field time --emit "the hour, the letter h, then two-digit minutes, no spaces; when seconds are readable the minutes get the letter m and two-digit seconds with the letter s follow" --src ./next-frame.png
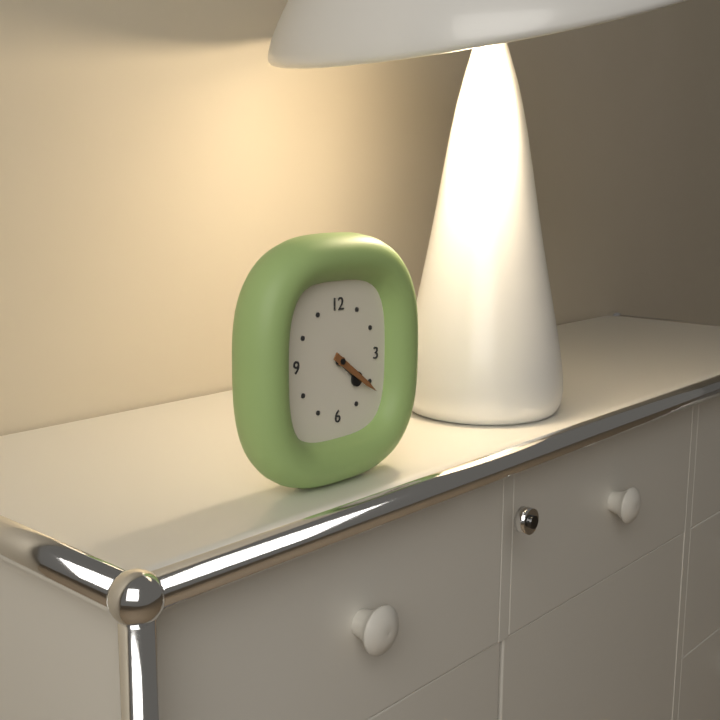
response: 4h21
